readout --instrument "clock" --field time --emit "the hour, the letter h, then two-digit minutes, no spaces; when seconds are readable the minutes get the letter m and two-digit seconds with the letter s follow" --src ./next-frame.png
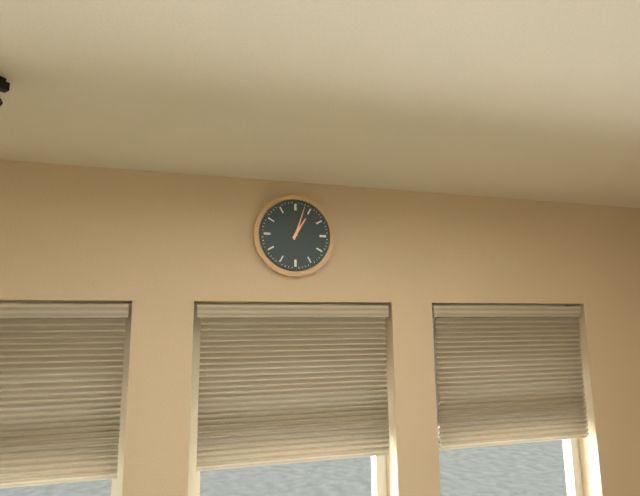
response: 1h03
